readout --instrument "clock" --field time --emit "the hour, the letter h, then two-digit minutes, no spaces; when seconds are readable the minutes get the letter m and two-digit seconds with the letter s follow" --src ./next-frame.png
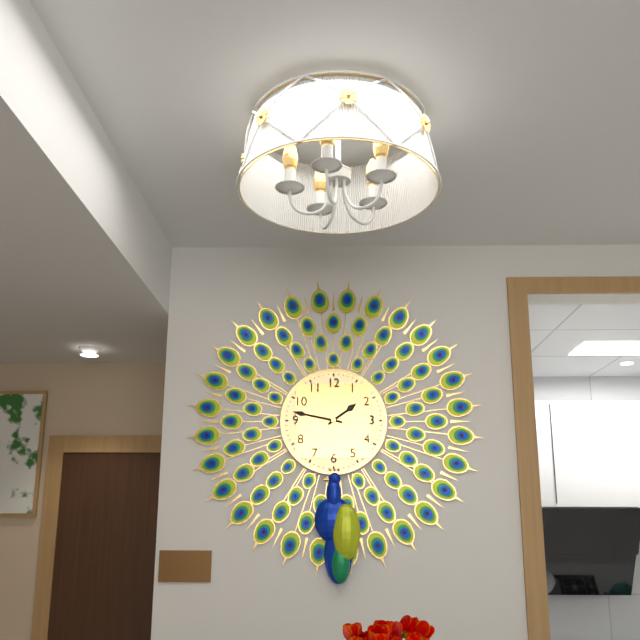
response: 1h47
